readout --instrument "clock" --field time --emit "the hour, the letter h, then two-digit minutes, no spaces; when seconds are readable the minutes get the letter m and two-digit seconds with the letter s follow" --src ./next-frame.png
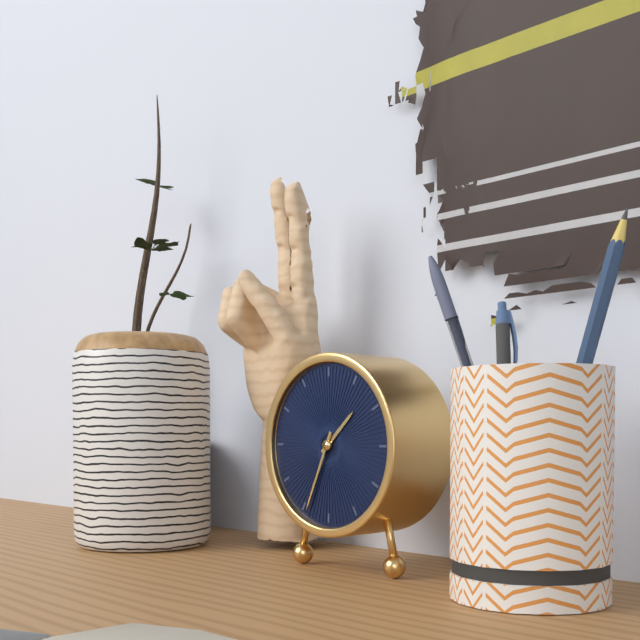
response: 1h34
